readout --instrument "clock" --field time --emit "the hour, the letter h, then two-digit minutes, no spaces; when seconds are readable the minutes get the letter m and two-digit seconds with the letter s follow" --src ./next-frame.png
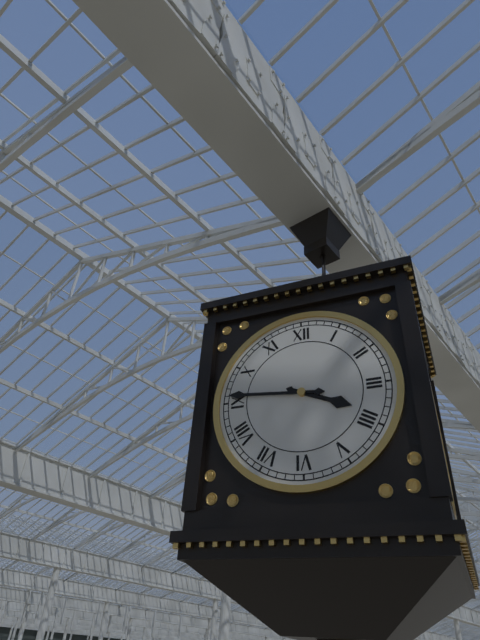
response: 3h46
